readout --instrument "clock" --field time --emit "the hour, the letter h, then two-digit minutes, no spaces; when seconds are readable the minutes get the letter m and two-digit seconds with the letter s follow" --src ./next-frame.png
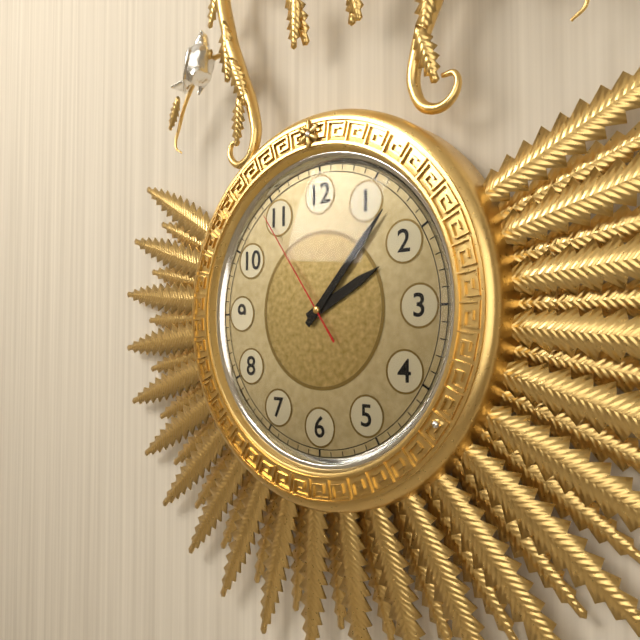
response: 2h07m54s
